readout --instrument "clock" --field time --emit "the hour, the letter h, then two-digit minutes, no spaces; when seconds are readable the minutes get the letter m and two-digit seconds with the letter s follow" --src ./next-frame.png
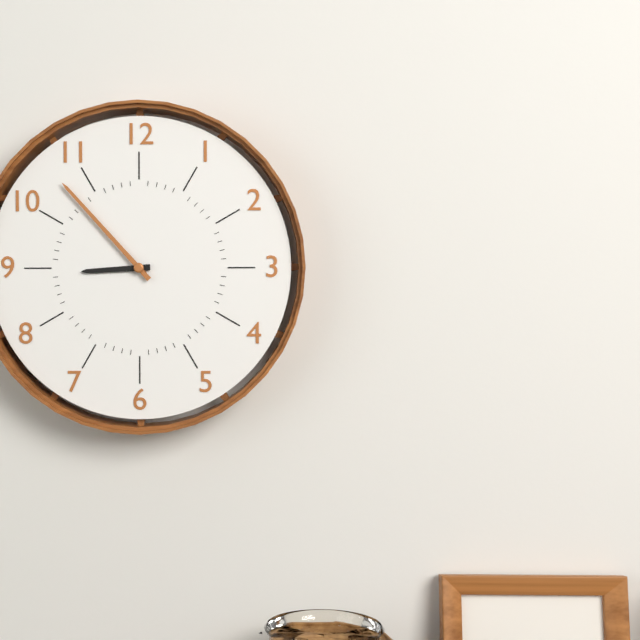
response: 8h53
